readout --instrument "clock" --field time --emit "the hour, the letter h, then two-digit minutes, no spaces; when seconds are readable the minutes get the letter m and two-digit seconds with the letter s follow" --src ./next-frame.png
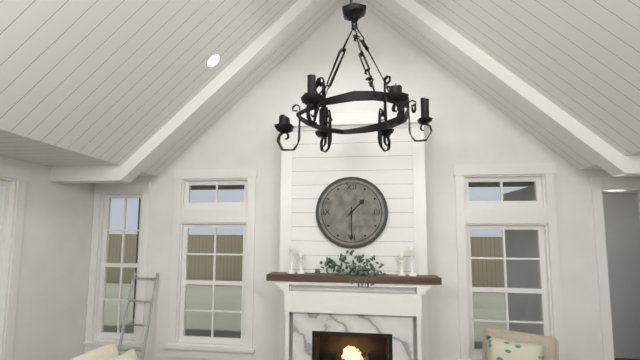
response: 1h30
